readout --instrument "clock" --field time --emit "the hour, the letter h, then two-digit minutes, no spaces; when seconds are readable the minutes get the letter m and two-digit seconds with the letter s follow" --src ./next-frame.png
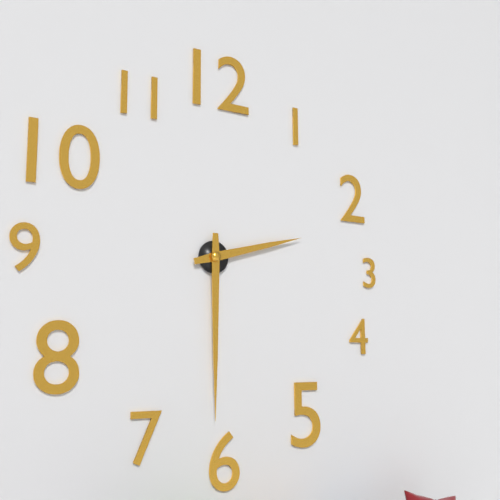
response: 2h30
